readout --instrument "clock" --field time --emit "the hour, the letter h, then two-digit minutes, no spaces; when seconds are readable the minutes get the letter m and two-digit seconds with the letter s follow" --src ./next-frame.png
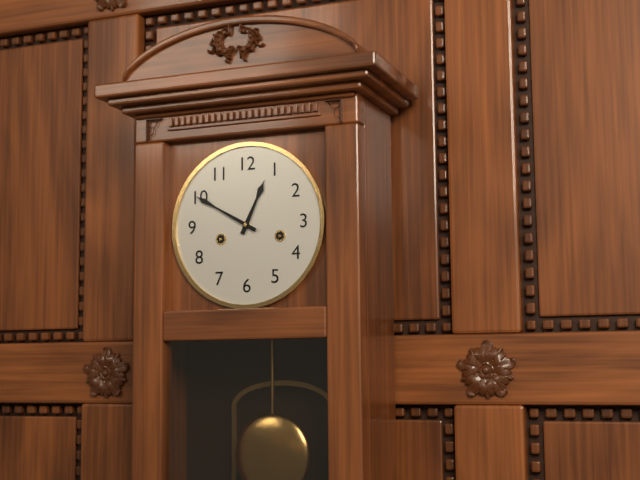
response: 12h50
